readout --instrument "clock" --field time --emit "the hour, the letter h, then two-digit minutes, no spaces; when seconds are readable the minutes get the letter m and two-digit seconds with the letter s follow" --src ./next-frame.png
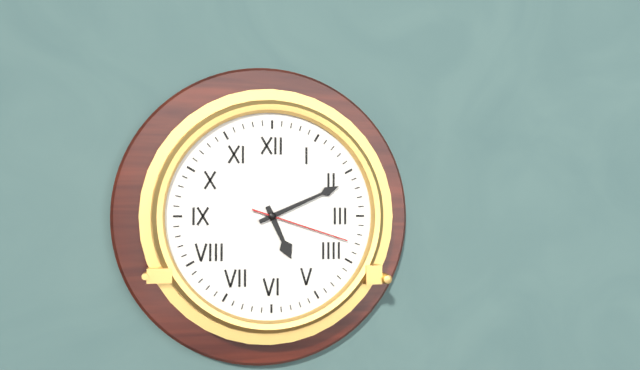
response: 5h11m18s
